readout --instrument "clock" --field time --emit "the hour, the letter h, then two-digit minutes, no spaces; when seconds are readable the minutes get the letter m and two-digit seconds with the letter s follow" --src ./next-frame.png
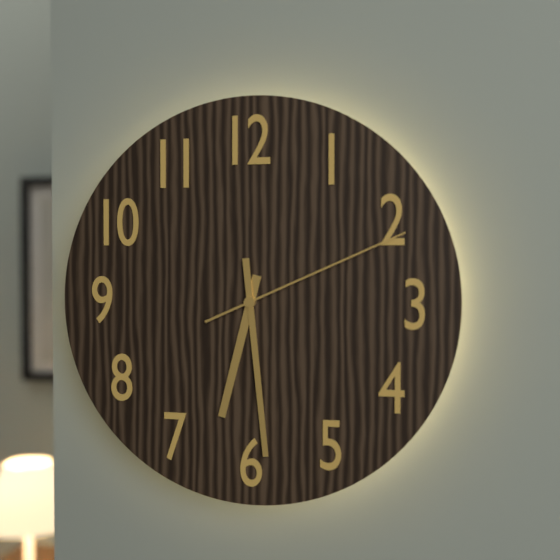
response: 6h29m11s
